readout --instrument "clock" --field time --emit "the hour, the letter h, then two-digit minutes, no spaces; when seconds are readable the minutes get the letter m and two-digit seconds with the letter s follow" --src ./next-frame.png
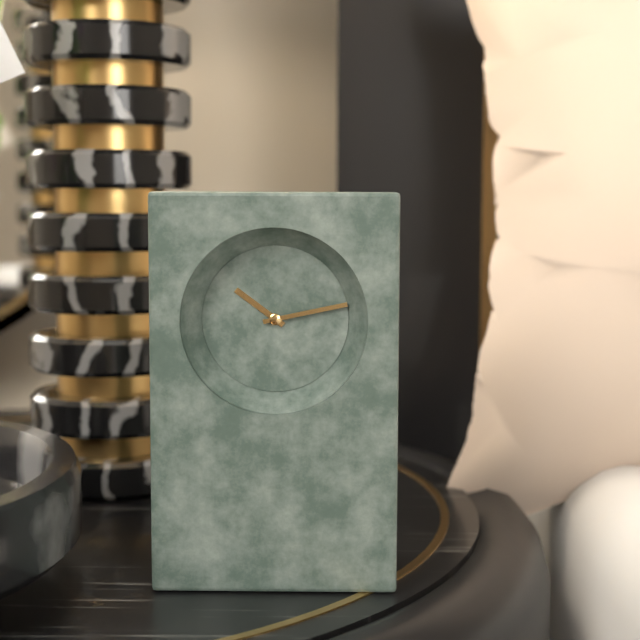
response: 10h13
